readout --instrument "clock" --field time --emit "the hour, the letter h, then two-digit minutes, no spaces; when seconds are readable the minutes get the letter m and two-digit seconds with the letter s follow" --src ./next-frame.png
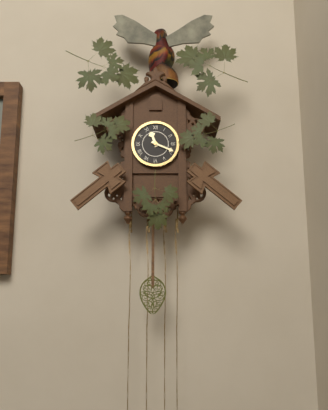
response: 11h19
